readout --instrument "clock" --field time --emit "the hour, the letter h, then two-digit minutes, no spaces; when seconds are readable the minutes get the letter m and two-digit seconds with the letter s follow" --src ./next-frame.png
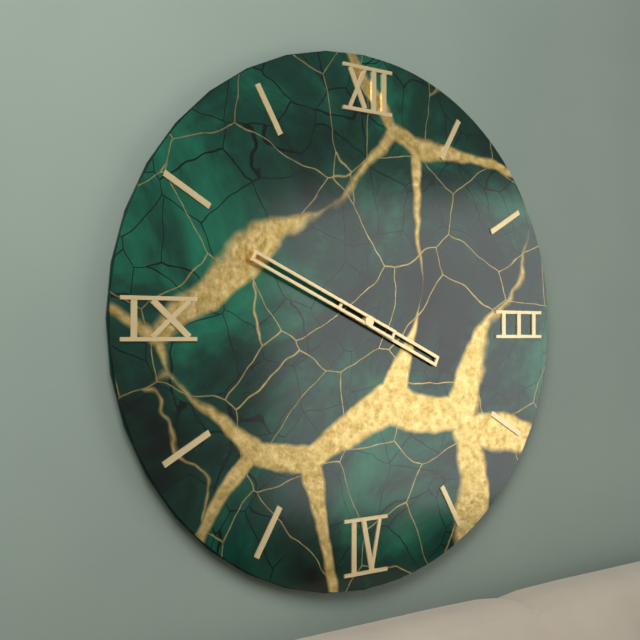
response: 3h49
